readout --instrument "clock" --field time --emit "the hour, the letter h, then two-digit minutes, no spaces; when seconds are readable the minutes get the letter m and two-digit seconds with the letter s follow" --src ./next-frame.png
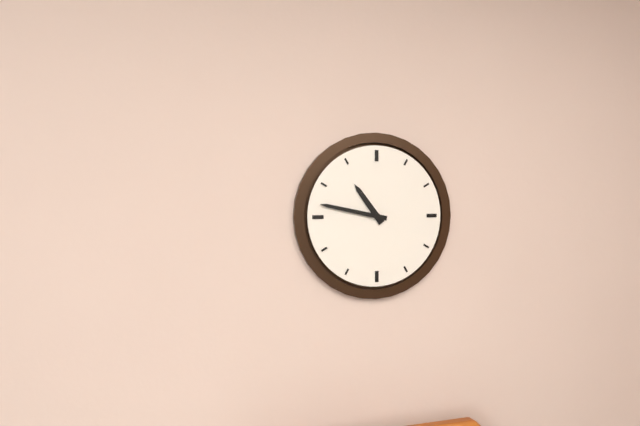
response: 10h47
